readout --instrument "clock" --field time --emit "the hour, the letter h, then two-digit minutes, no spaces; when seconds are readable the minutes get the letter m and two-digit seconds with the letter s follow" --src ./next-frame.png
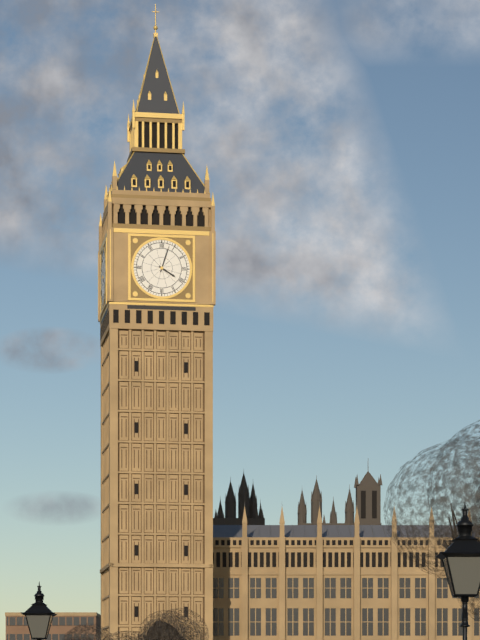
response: 4h03
